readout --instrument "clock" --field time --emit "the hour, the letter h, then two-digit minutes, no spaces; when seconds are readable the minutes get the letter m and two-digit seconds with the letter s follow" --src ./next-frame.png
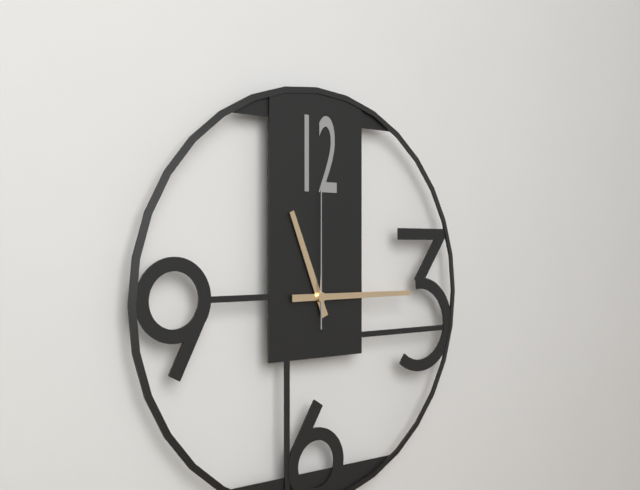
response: 11h15m00s
